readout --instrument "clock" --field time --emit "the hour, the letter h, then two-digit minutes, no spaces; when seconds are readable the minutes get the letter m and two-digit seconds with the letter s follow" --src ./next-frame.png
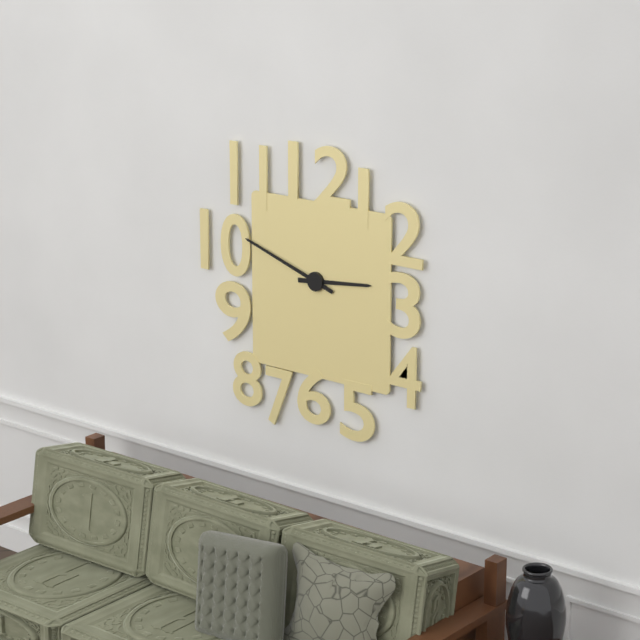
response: 2h48
